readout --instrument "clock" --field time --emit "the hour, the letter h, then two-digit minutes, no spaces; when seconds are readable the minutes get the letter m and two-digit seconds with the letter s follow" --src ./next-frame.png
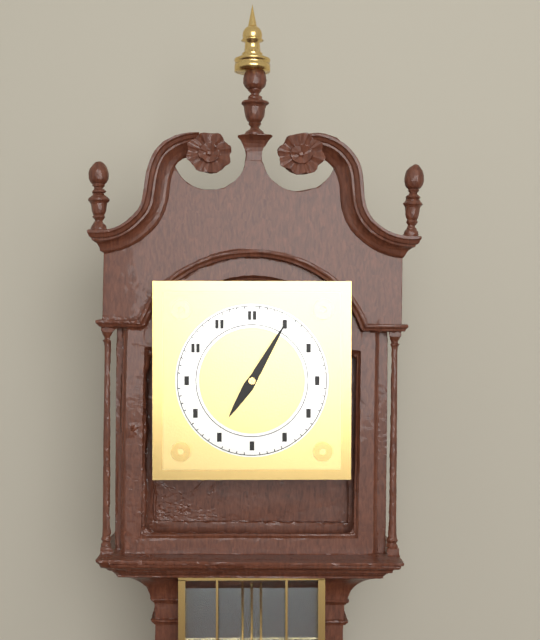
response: 7h05
